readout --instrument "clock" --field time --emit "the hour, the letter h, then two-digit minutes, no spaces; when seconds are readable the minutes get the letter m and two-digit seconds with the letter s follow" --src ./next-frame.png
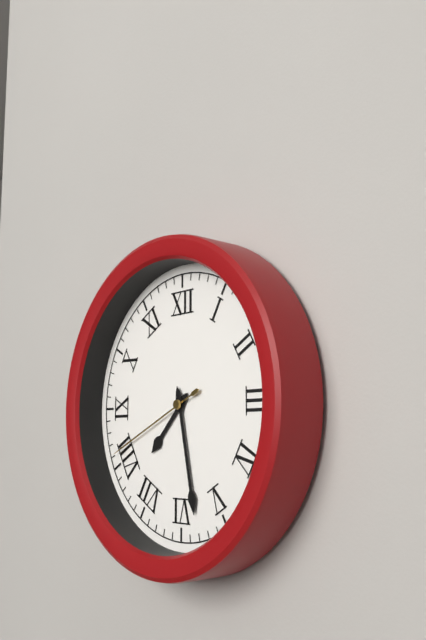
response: 7h28m41s
